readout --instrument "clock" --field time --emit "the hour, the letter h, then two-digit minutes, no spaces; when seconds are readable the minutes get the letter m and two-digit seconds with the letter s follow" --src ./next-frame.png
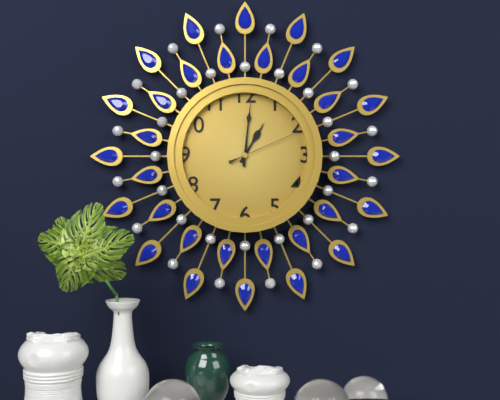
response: 1h01m11s
